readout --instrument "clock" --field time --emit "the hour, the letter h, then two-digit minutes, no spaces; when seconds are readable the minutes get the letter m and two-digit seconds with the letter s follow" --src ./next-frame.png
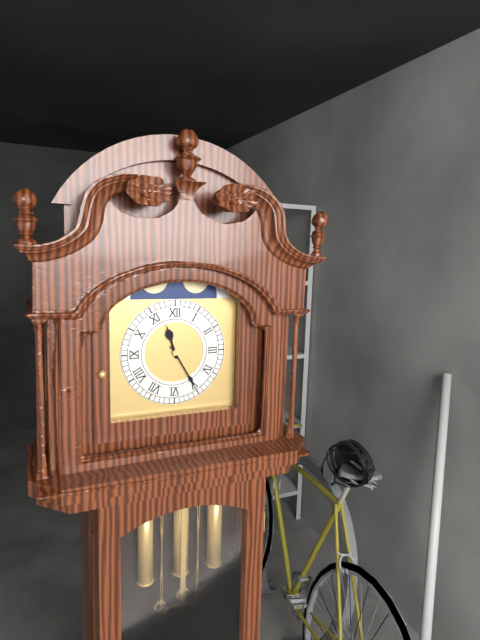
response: 11h25
